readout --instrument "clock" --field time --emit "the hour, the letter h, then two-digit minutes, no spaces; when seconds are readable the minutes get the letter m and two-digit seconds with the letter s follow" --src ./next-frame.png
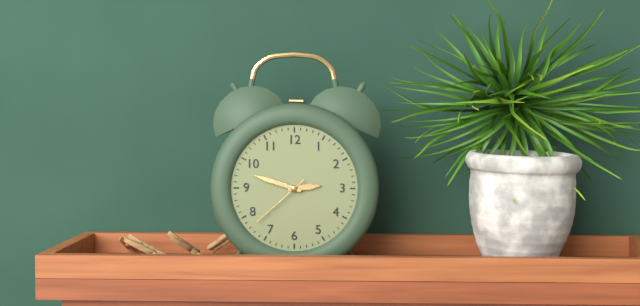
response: 2h48m38s
